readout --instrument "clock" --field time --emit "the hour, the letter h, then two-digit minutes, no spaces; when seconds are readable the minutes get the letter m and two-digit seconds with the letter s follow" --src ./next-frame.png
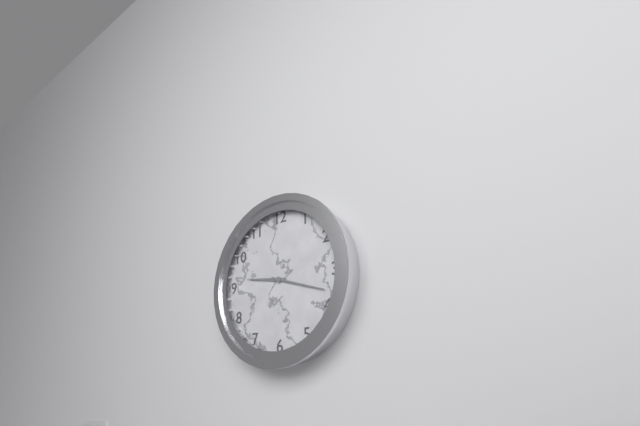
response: 9h18
